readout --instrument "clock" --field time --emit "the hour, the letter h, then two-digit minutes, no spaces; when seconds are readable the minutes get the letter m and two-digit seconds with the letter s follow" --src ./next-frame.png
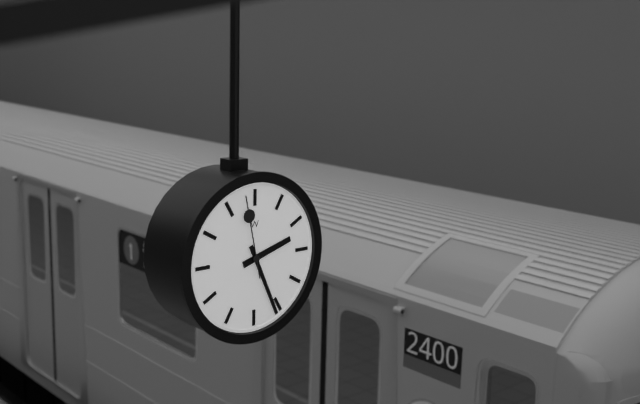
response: 2h26m58s
